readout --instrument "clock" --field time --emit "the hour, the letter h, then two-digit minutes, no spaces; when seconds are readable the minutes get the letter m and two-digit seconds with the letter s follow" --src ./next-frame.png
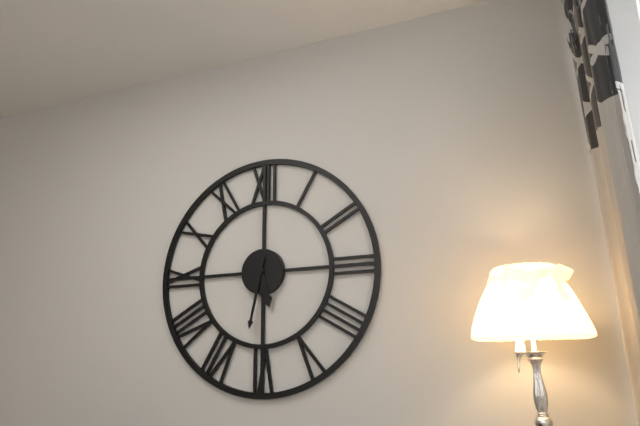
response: 5h32
